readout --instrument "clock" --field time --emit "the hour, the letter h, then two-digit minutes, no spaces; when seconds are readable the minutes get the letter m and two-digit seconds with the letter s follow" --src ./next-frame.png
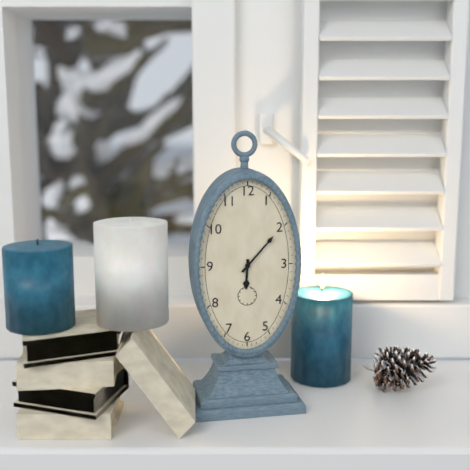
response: 6h07
